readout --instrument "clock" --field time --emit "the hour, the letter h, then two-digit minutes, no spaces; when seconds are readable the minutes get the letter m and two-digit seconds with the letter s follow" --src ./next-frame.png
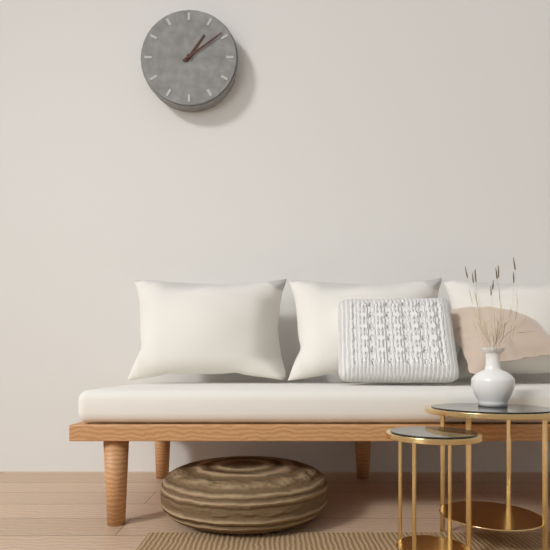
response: 1h09
